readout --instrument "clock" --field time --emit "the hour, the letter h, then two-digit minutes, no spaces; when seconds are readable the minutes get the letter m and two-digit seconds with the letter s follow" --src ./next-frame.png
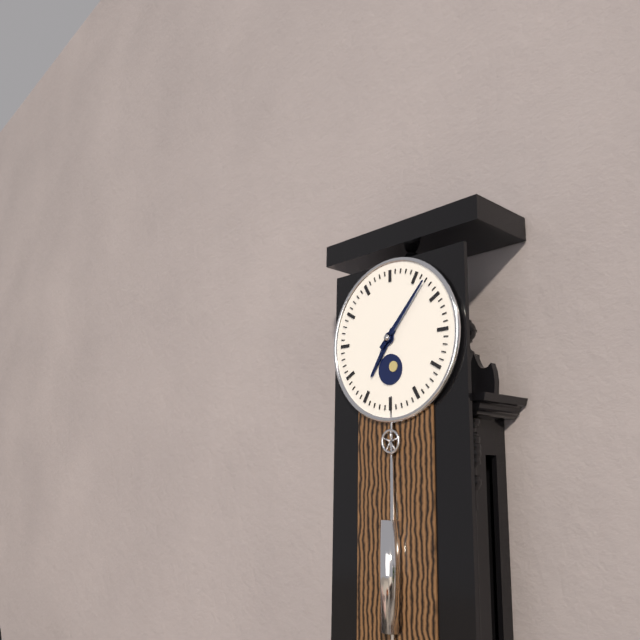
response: 7h07
